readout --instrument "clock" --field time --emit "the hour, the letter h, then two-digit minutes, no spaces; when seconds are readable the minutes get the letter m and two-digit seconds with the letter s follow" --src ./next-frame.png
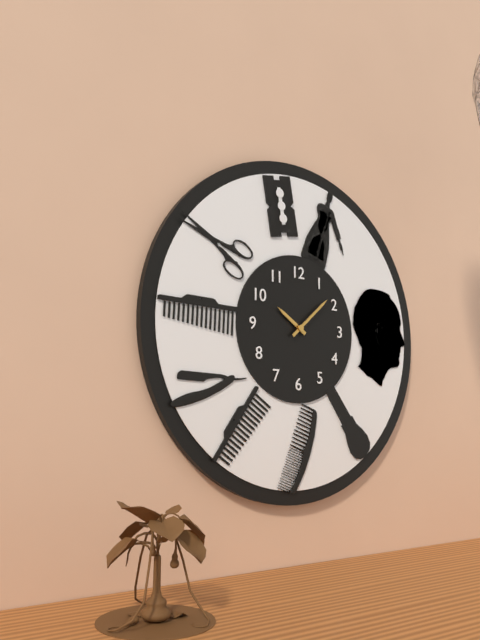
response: 10h08
